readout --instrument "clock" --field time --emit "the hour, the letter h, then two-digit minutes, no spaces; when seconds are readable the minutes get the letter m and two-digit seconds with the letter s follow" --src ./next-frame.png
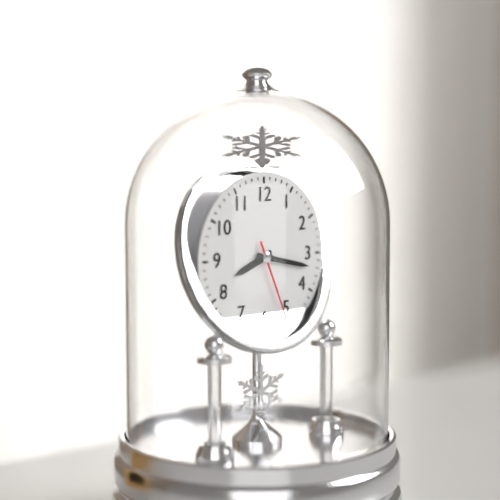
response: 8h17m26s
